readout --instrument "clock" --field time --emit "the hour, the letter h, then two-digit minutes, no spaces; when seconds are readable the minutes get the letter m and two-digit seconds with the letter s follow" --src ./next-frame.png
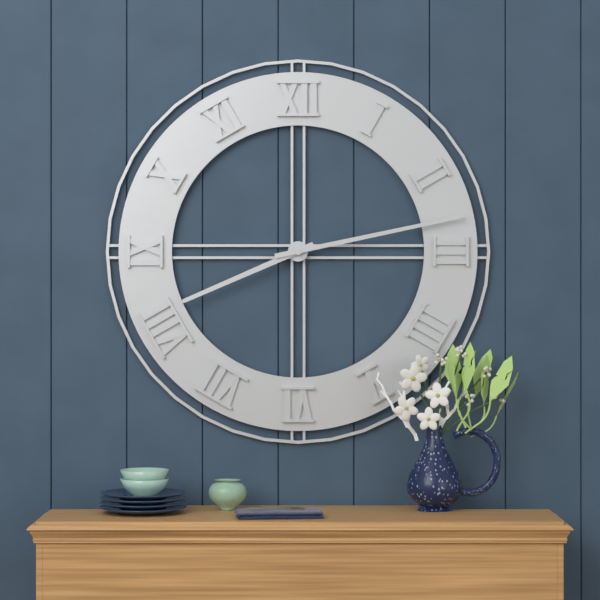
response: 8h13
